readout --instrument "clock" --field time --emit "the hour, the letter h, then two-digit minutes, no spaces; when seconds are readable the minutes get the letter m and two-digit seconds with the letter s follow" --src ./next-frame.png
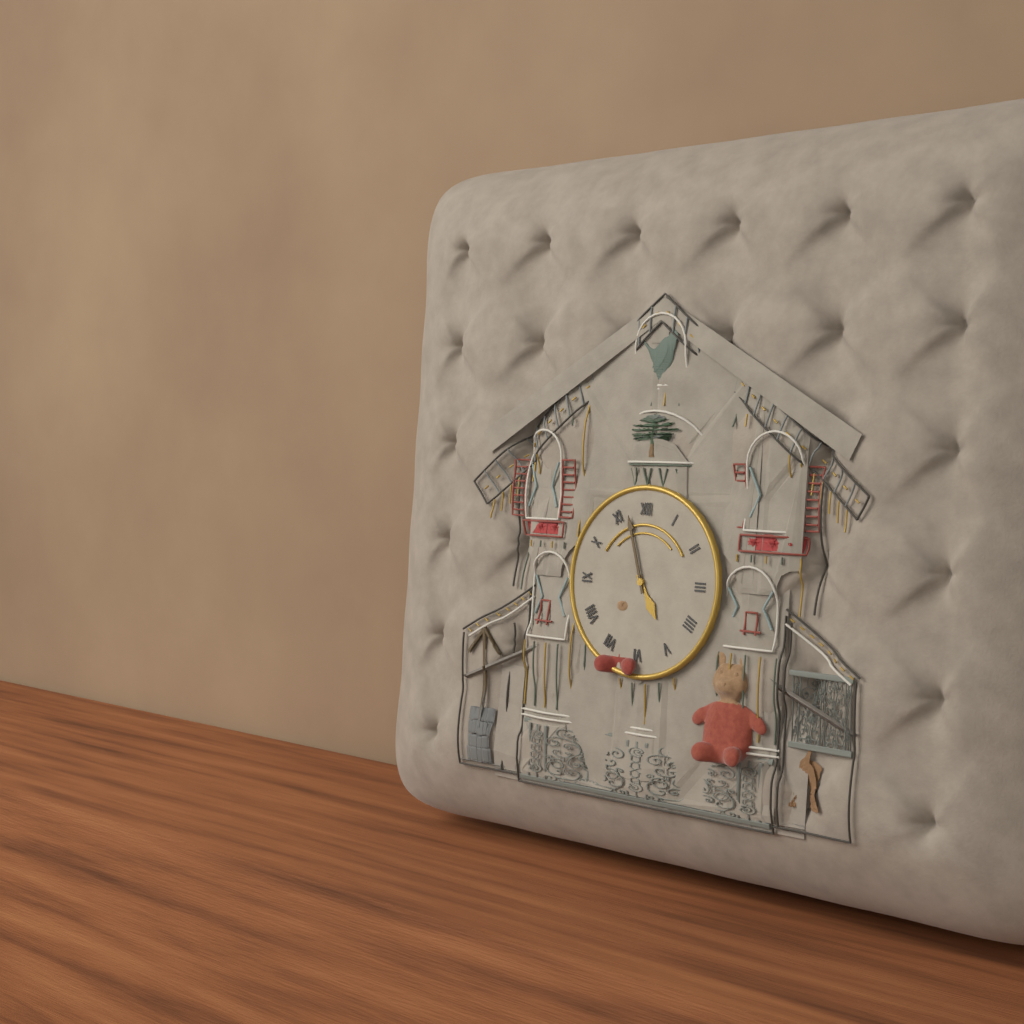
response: 4h57
